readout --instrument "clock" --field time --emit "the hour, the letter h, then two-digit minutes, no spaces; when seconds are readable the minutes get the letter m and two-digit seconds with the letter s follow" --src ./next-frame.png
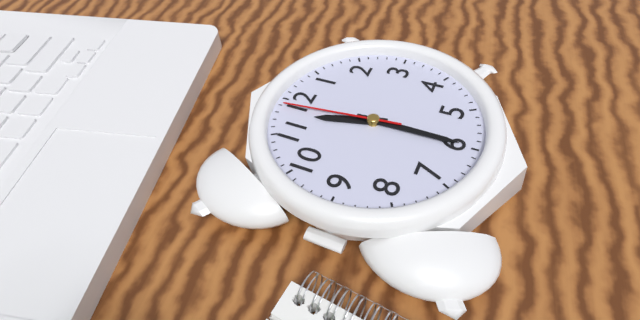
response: 11h30m59s
